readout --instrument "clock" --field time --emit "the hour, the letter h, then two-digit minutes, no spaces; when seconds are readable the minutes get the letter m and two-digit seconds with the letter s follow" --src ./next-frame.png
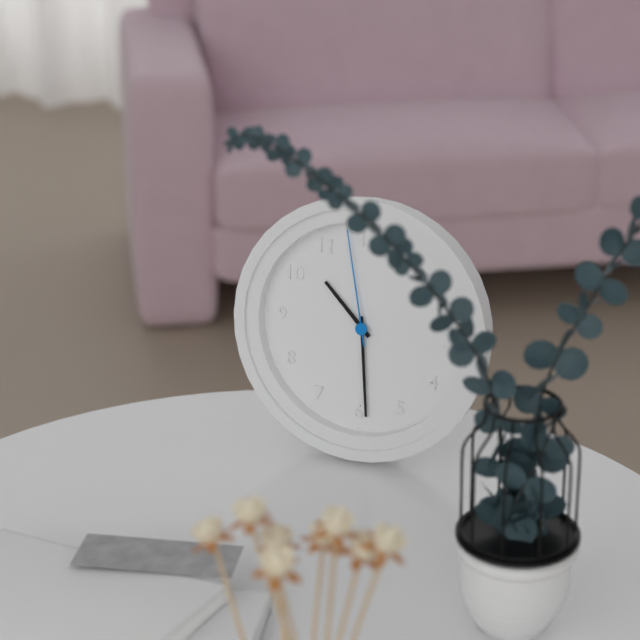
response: 10h29m58s
